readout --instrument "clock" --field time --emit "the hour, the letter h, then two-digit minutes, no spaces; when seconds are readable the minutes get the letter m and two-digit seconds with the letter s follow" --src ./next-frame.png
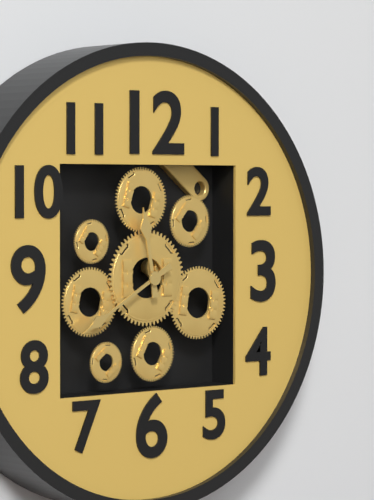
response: 11h40
